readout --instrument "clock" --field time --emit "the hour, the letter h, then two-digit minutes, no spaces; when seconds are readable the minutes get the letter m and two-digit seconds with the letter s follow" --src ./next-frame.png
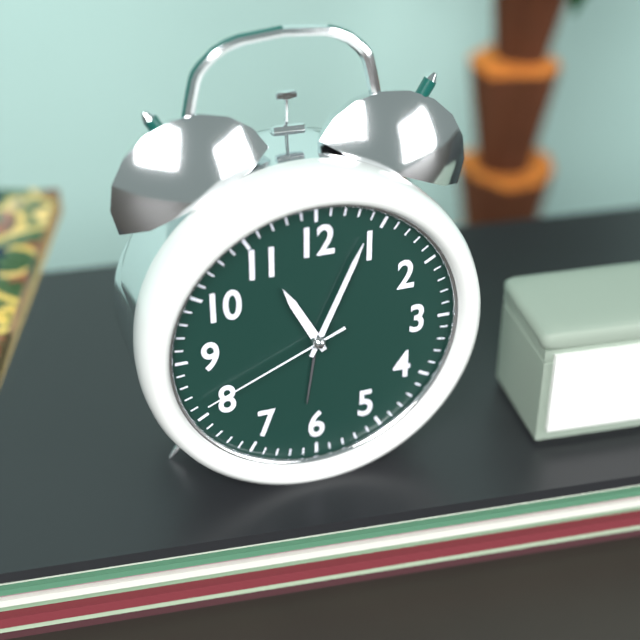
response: 11h04m41s
